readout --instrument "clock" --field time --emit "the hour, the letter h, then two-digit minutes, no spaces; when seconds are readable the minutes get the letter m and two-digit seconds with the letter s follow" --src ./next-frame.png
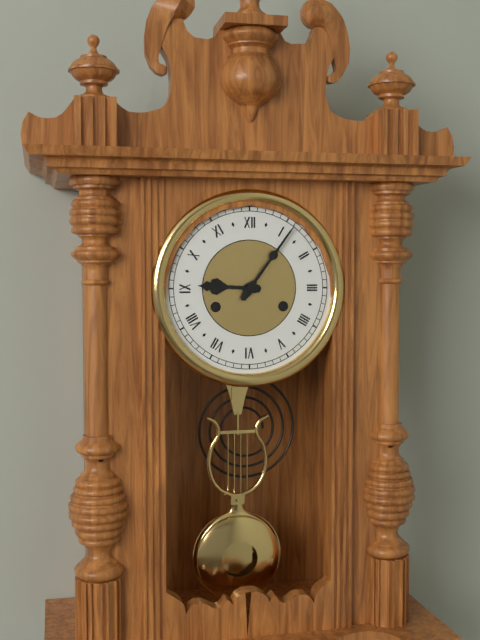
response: 9h06
